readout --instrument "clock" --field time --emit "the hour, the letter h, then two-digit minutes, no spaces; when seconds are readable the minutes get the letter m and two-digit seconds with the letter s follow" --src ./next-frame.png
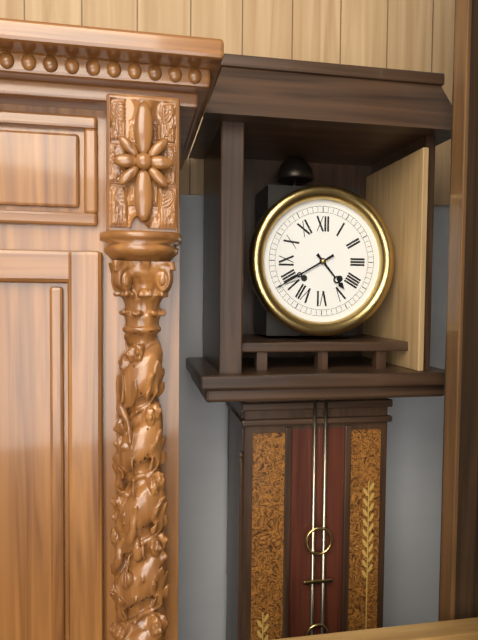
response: 4h40
